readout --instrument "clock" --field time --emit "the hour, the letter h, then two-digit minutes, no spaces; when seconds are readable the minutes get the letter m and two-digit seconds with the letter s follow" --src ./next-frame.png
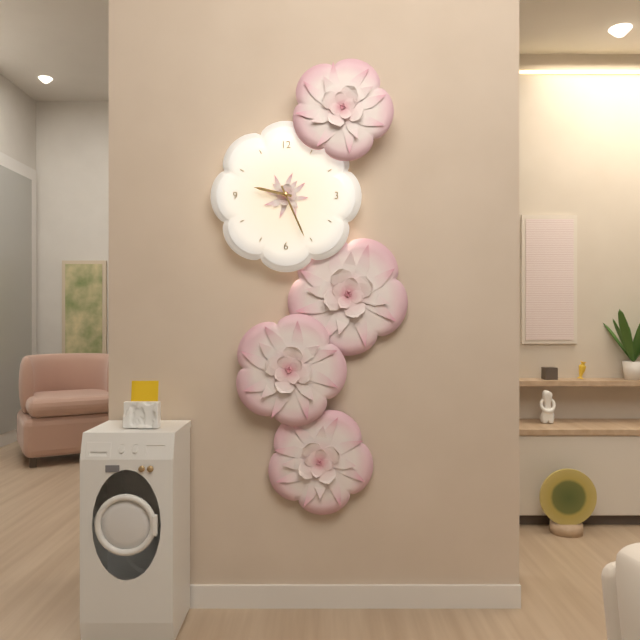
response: 9h26
